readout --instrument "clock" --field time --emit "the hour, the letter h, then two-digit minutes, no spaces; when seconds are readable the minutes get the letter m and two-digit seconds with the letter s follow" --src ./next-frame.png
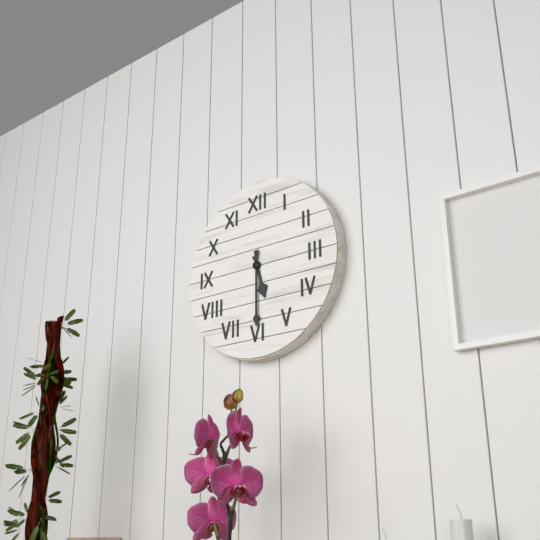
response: 5h30
